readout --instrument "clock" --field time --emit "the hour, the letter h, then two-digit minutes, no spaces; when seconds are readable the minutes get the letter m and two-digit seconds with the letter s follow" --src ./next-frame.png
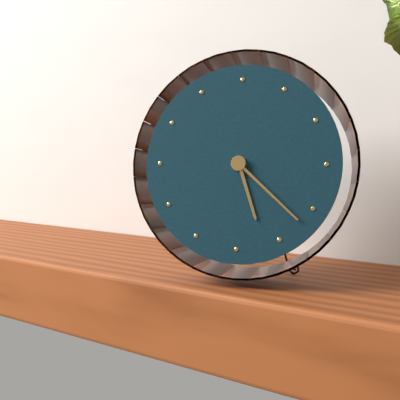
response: 5h22
